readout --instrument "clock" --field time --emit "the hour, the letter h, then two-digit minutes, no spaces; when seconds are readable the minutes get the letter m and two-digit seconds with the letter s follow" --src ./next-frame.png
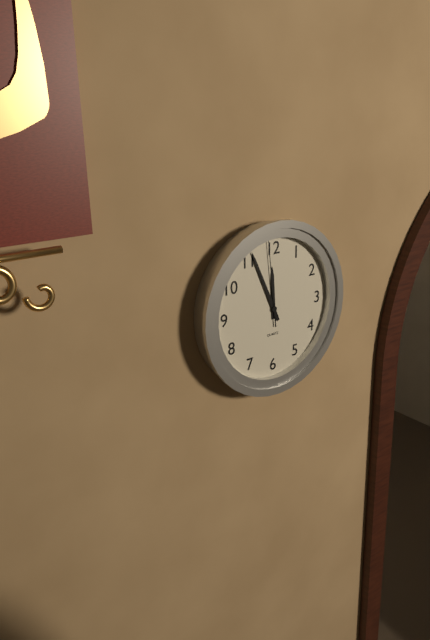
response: 11h56m59s
